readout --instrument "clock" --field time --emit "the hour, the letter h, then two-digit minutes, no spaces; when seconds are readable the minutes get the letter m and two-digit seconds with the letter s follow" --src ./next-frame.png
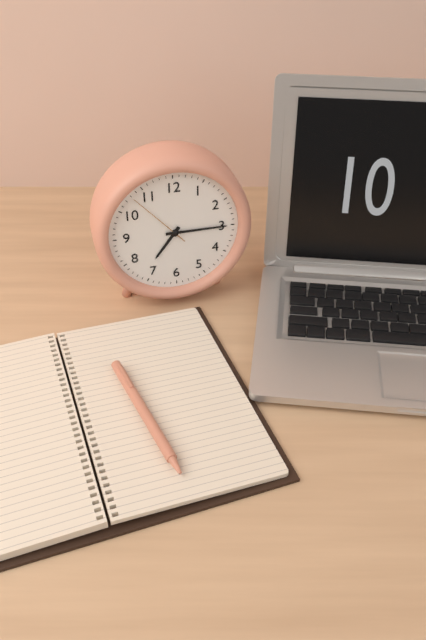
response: 7h15m53s
